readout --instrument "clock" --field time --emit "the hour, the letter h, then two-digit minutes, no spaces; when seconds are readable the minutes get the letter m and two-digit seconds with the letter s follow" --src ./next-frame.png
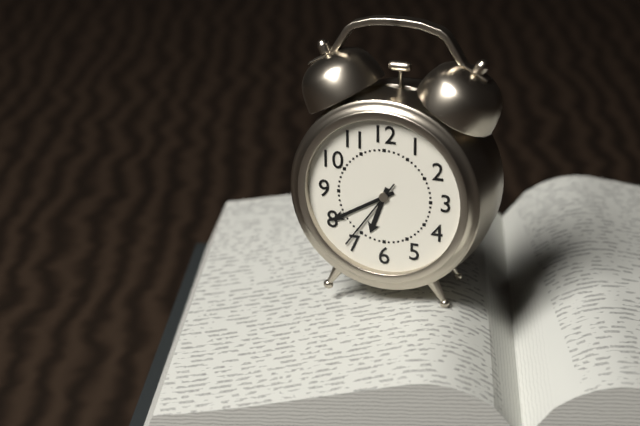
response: 6h40m36s
